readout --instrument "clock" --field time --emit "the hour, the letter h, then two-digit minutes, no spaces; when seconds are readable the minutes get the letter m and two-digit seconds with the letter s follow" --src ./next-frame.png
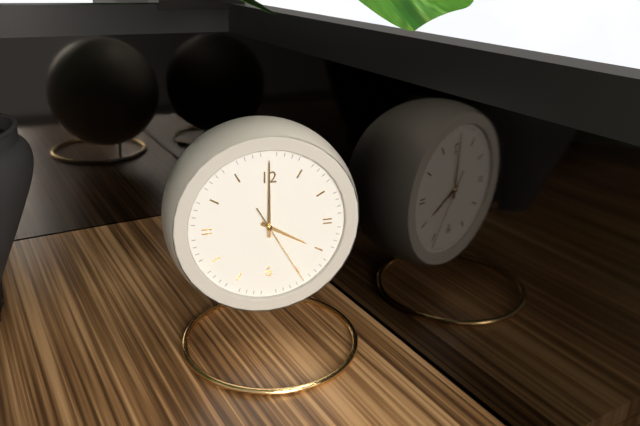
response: 4h00m25s
